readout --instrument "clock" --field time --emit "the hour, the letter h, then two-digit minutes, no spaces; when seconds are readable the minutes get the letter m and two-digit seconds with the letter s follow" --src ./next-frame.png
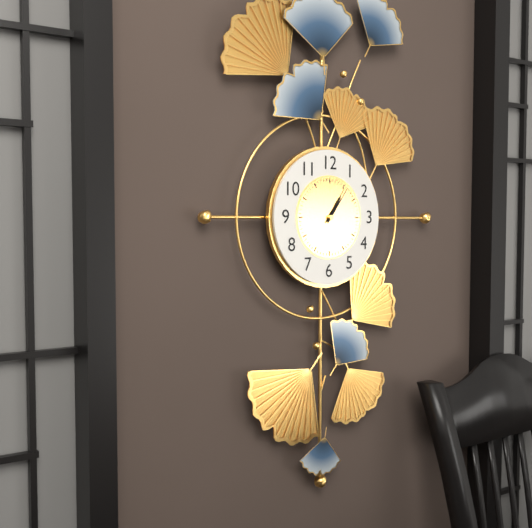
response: 1h06
